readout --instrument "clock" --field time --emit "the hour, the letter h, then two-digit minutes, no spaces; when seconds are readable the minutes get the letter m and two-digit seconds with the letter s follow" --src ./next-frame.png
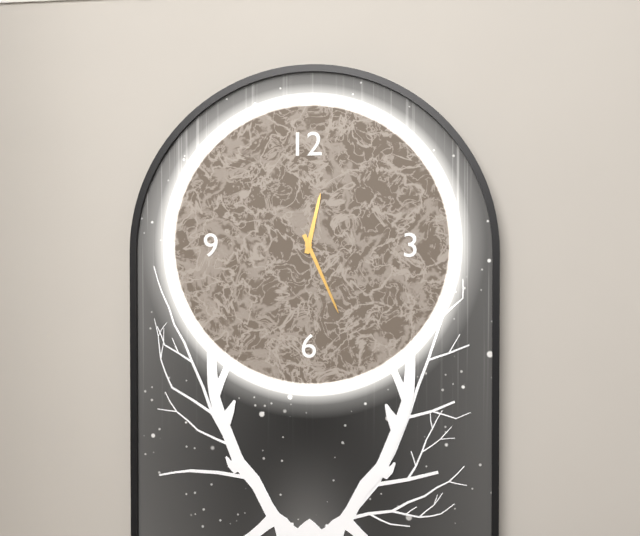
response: 12h26
